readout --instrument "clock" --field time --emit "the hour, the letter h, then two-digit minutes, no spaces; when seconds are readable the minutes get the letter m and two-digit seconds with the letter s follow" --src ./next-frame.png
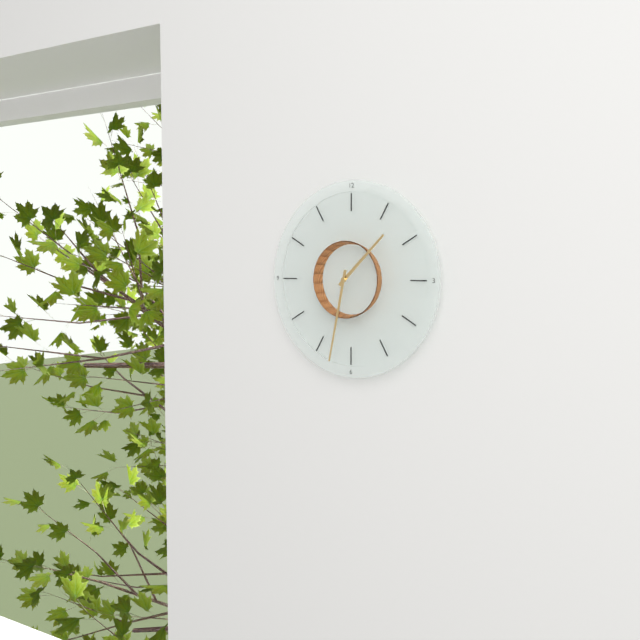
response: 1h32
